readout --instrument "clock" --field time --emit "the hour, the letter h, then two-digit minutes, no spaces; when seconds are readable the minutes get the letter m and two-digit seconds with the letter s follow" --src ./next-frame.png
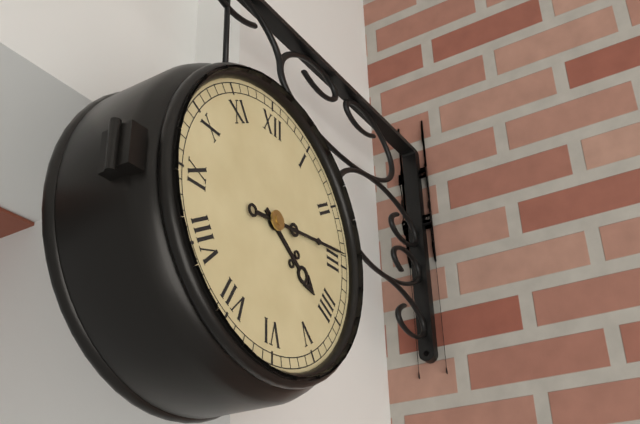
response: 4h14
